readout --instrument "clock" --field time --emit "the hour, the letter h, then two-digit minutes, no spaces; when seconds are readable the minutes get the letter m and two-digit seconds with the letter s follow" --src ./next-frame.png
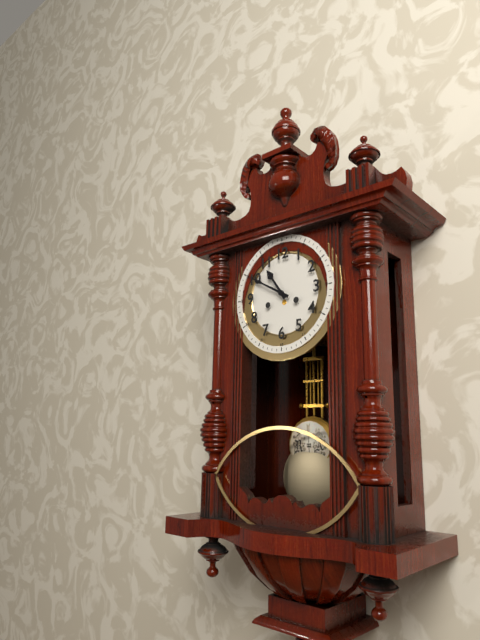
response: 10h50
